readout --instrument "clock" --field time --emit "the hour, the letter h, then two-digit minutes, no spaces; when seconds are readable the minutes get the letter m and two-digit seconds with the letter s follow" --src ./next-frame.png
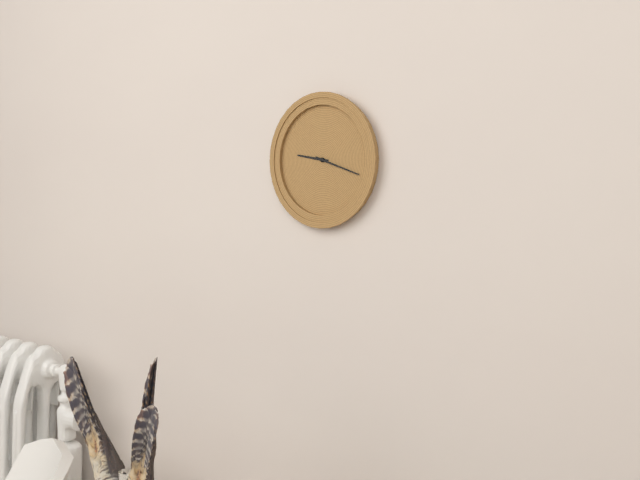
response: 9h18
